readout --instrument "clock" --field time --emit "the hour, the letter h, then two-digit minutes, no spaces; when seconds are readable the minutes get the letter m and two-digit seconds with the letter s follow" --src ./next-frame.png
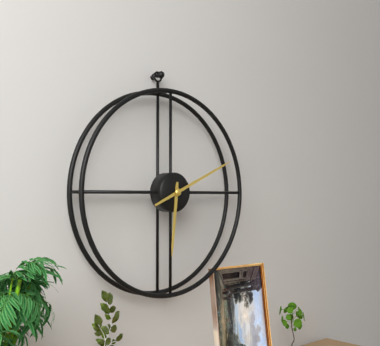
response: 6h11
